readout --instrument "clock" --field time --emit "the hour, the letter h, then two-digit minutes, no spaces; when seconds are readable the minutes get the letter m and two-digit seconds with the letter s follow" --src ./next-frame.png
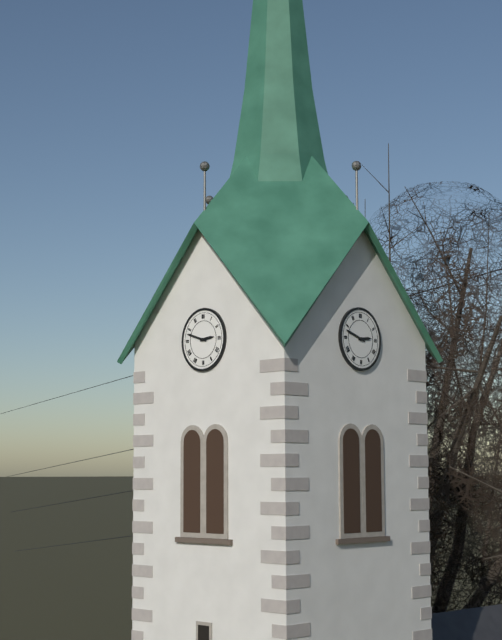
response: 2h48
